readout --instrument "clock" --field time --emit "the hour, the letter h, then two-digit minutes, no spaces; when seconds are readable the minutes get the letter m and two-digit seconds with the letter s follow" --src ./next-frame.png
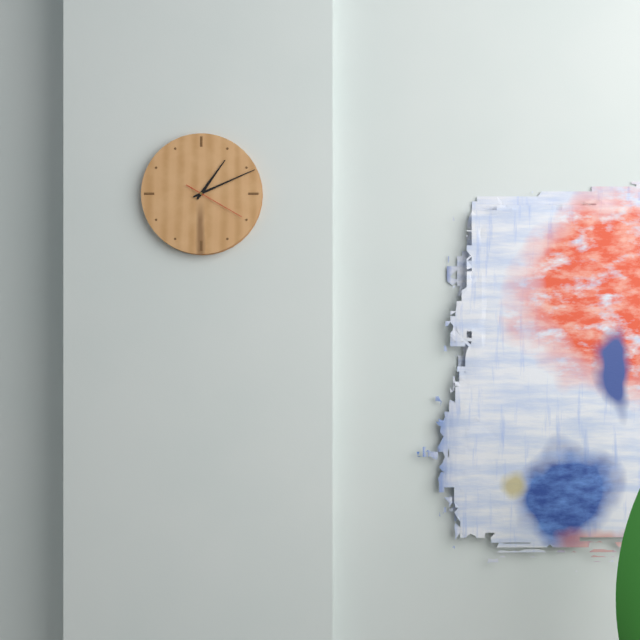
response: 1h11m20s
